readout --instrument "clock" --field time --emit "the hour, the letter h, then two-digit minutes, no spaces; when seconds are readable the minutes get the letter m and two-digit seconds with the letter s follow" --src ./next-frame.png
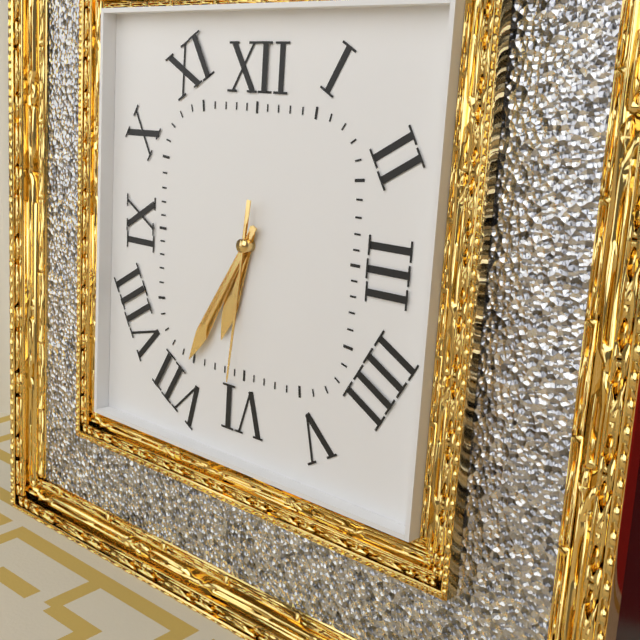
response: 6h35m31s
